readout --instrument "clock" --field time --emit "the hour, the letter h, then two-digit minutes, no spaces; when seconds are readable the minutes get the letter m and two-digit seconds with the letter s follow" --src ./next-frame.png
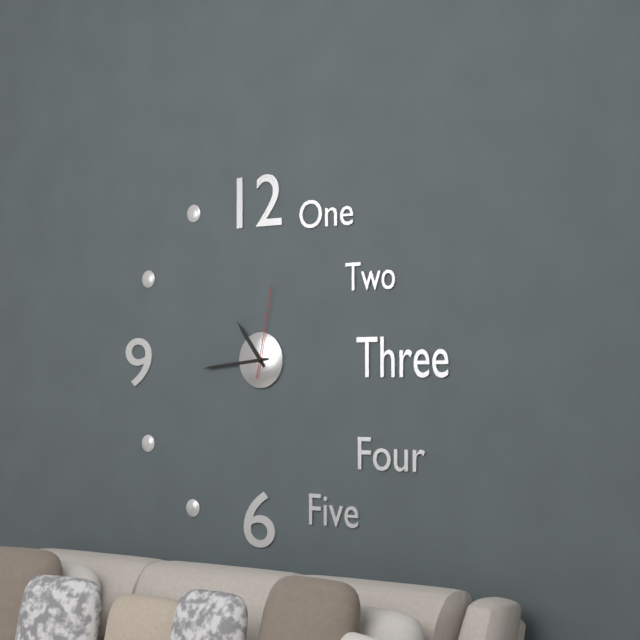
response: 10h44m02s
